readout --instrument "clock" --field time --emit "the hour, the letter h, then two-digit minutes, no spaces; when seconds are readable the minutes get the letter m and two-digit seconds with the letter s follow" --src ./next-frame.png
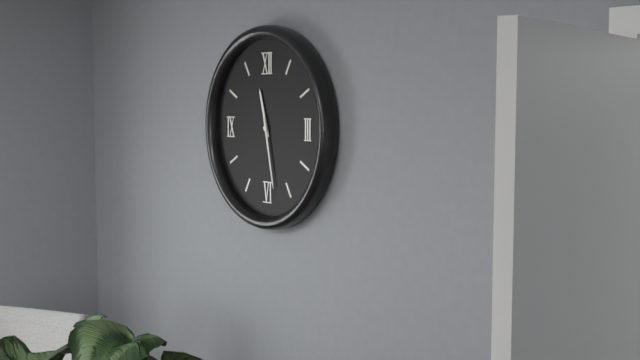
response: 11h28
